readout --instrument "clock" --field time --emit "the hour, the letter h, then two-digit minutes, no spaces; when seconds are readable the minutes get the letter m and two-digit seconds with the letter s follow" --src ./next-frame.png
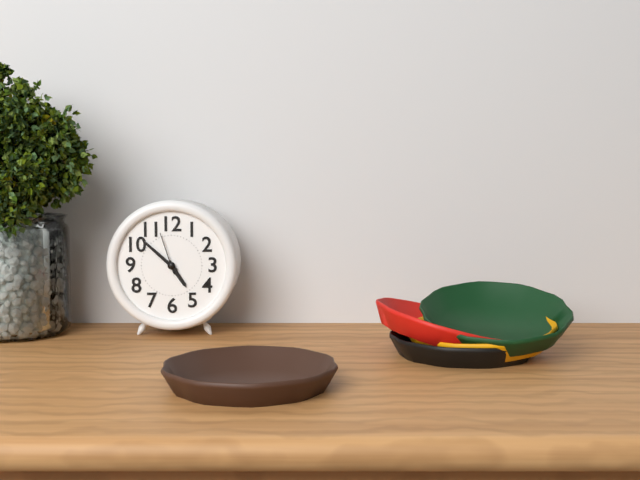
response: 4h52
